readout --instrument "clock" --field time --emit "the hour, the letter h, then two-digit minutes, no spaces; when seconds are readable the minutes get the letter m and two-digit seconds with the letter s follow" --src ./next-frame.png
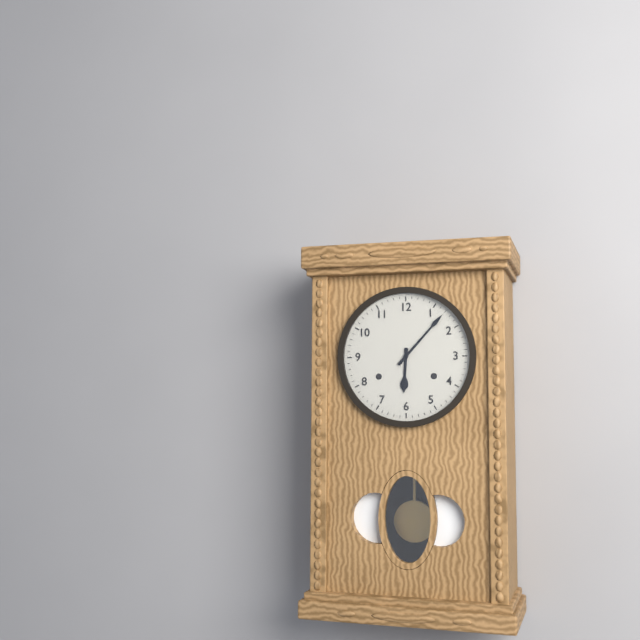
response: 6h07
